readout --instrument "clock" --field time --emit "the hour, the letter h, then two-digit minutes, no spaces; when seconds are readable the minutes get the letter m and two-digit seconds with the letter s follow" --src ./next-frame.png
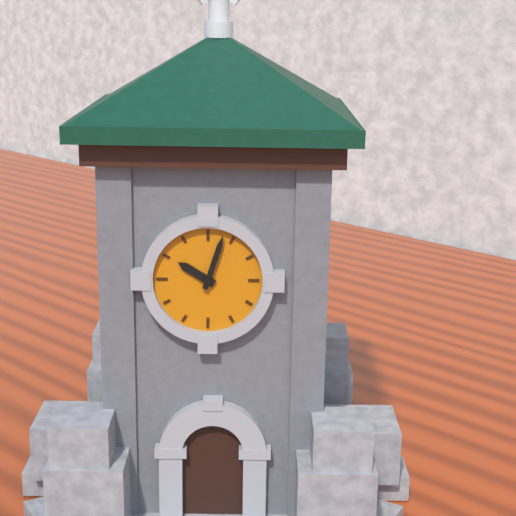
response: 10h03
